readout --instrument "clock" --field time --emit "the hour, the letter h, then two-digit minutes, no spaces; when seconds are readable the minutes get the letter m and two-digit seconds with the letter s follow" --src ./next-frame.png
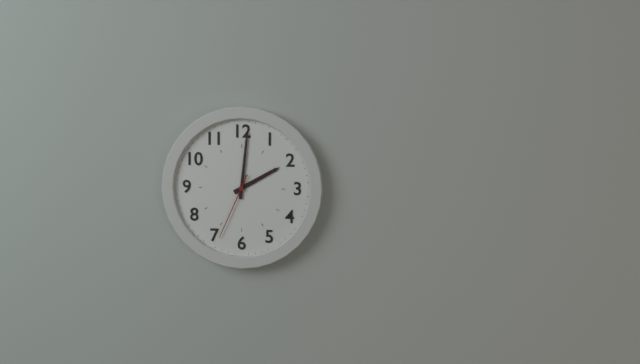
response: 2h01m34s
